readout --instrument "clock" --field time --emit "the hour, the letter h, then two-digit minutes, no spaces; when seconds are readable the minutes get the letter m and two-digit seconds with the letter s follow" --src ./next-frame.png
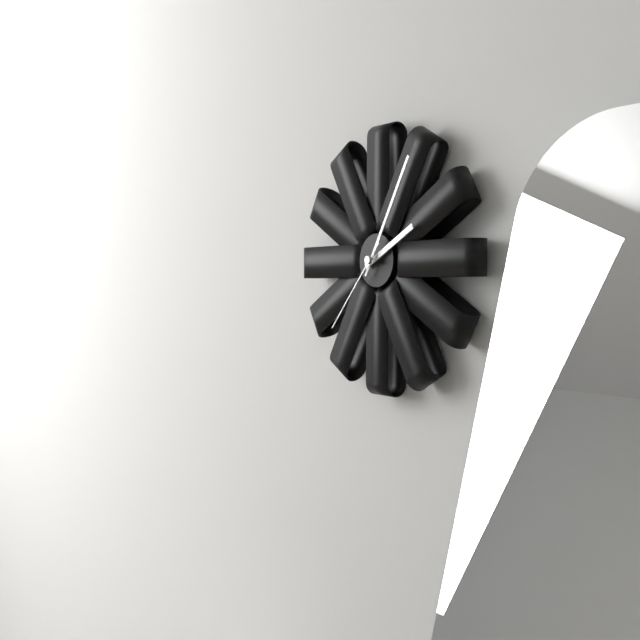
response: 2h05m37s
